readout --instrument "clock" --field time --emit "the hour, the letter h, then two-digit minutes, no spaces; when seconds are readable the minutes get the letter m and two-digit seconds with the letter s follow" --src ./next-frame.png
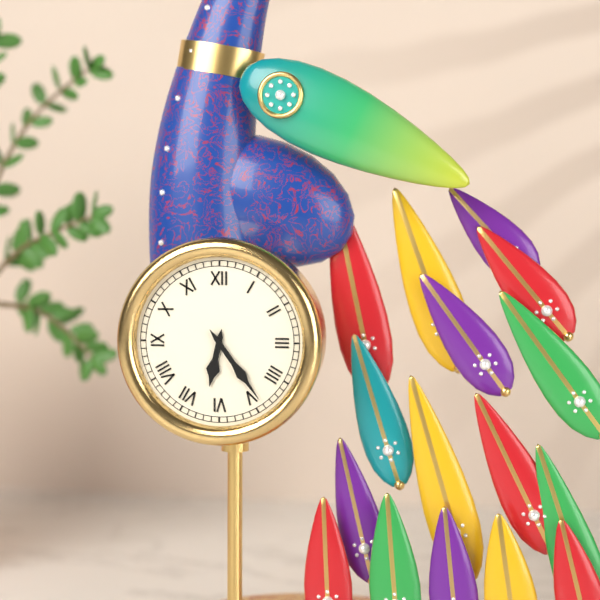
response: 6h24
